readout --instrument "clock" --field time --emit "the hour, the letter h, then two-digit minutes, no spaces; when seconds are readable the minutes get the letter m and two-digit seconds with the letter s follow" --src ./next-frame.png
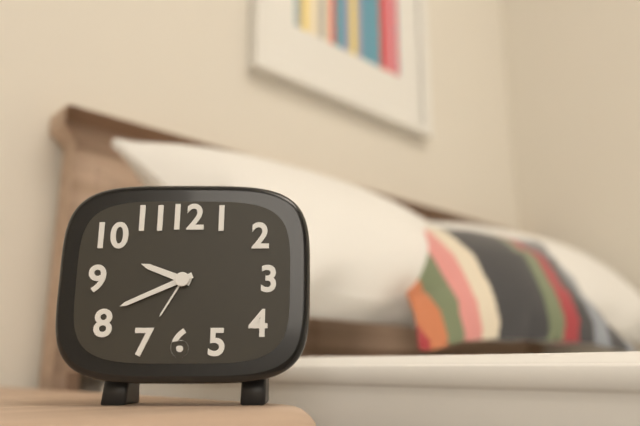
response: 9h41
